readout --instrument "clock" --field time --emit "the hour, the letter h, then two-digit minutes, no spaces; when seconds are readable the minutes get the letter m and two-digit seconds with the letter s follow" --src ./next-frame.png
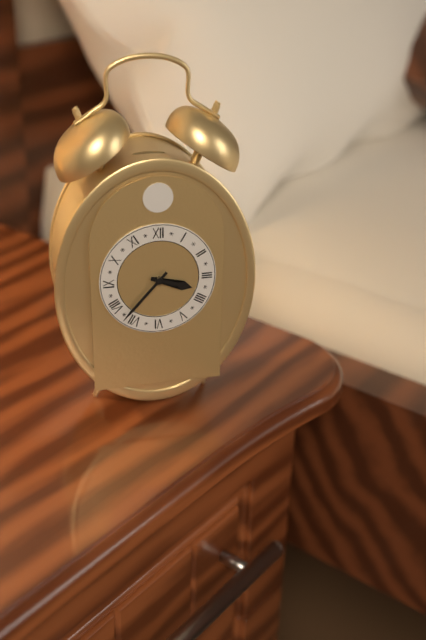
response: 3h37
